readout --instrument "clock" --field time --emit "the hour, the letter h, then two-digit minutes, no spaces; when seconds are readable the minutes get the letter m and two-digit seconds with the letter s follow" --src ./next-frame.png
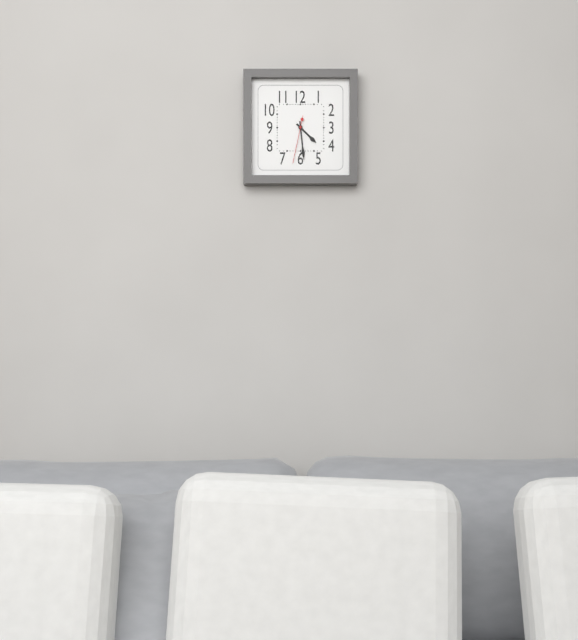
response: 4h29
